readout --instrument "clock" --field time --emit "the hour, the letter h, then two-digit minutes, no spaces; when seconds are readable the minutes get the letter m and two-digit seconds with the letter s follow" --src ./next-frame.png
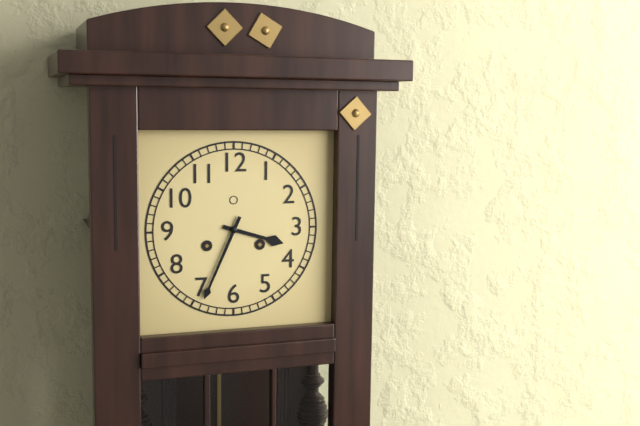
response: 3h34
